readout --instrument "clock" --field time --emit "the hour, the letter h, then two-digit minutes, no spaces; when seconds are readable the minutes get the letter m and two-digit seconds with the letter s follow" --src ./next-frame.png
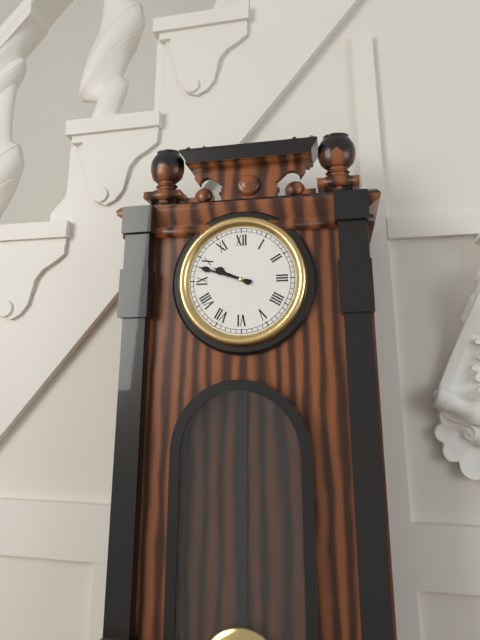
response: 9h48
